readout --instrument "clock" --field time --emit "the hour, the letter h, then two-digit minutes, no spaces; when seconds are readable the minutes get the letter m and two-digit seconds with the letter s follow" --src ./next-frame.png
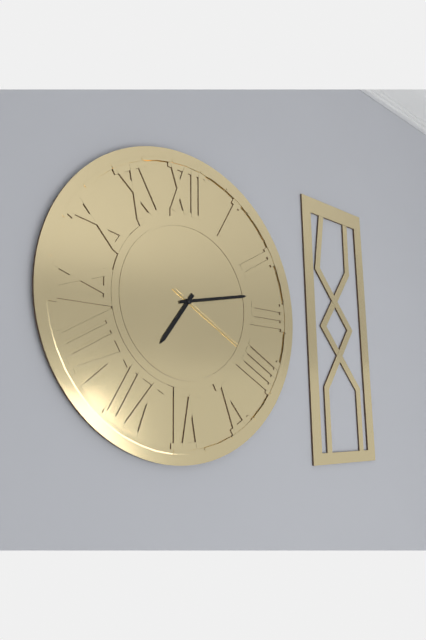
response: 7h13m20s
